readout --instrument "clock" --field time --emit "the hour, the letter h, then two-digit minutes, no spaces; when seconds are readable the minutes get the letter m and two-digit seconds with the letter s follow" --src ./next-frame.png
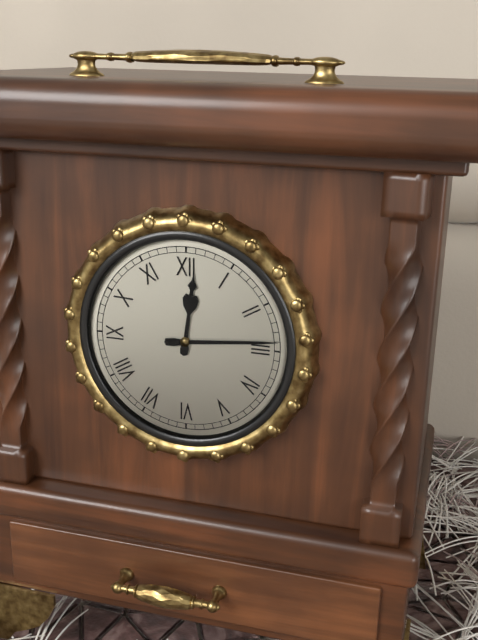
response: 12h14
